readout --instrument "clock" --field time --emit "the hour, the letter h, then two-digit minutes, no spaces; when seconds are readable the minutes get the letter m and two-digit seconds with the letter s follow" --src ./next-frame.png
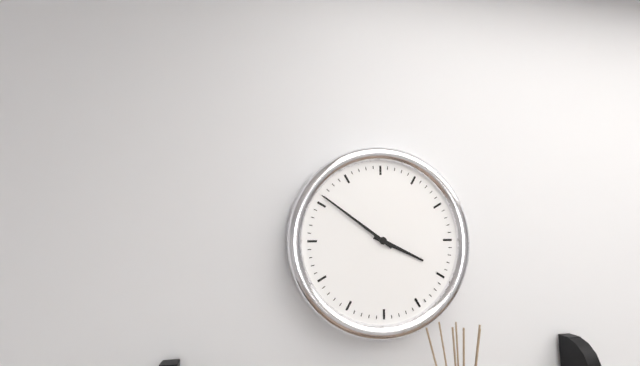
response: 3h51
